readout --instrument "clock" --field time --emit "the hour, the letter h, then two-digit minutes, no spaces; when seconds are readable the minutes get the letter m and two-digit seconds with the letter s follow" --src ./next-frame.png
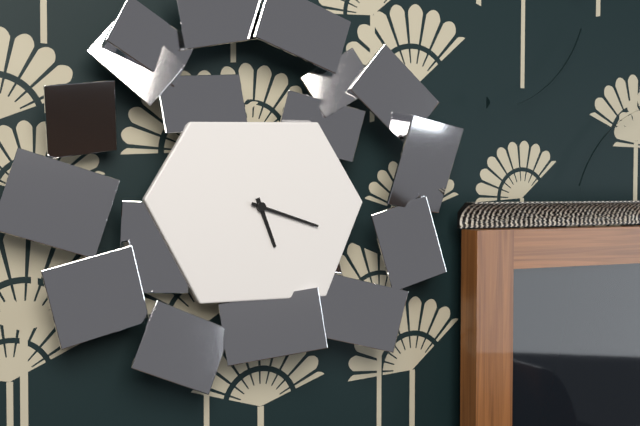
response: 5h18
